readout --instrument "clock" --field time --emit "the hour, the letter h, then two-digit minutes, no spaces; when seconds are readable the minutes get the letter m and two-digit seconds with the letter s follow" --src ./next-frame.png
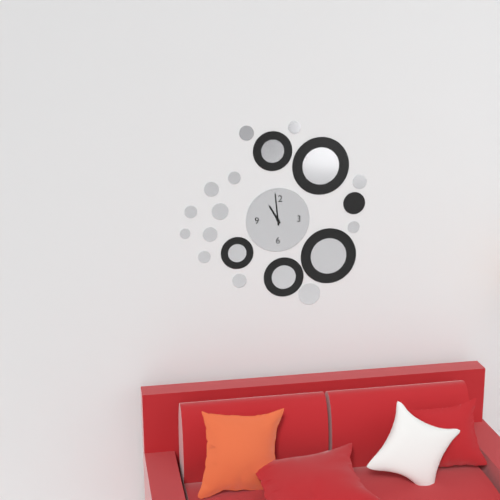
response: 10h59
